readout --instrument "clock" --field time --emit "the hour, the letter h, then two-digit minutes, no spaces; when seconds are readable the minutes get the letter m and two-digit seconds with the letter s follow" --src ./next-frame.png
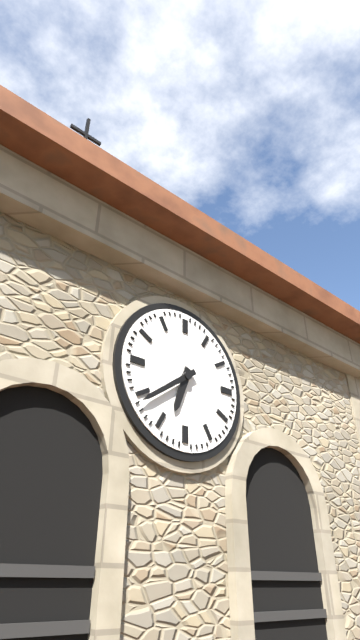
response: 6h39
